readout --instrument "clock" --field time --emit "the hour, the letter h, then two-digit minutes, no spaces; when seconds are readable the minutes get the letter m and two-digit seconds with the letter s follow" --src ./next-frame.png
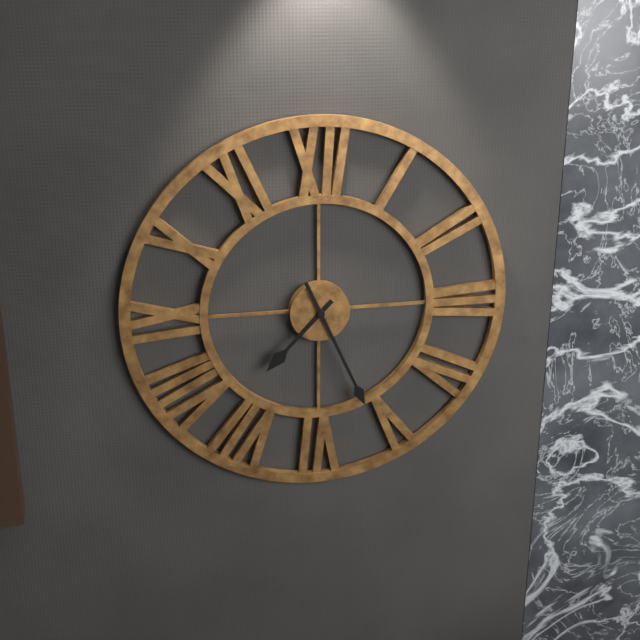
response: 7h26
